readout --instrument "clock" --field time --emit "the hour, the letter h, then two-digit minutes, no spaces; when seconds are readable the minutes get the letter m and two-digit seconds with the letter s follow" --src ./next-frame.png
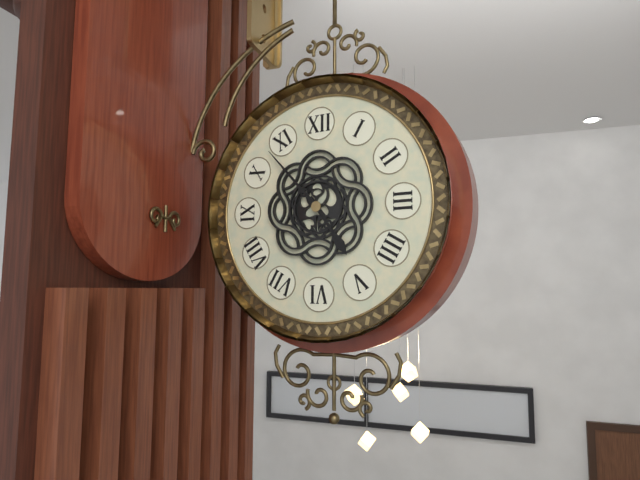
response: 4h53
